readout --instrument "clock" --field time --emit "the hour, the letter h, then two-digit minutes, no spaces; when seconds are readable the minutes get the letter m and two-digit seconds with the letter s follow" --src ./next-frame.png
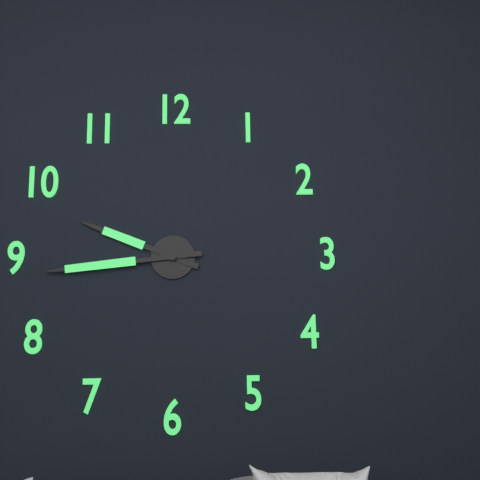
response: 9h44
